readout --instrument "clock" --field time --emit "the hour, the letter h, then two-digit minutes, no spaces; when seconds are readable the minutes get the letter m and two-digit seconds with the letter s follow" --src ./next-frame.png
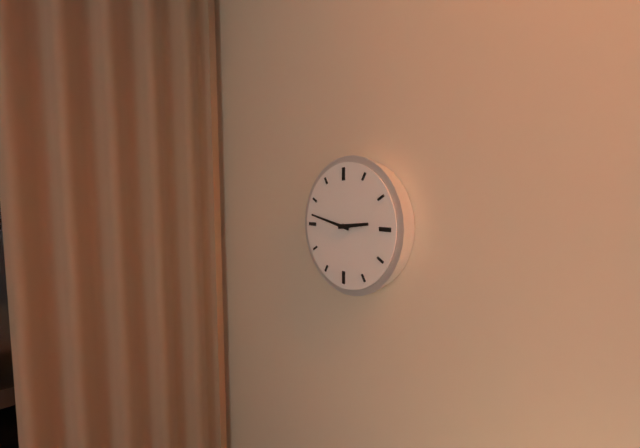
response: 2h47
